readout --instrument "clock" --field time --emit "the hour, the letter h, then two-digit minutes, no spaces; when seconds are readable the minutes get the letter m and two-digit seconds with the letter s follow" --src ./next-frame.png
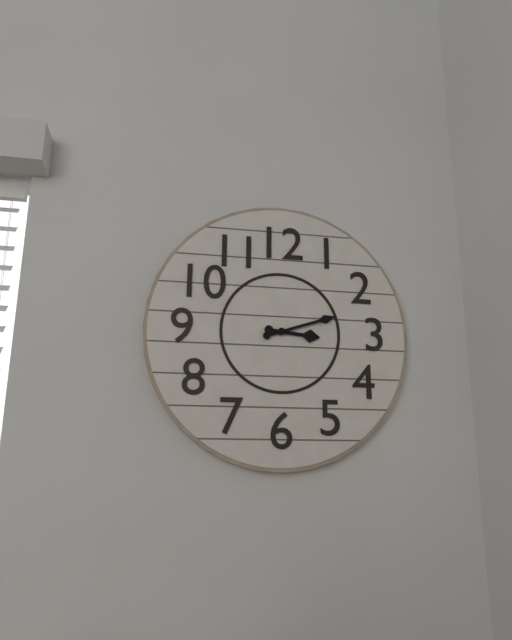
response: 3h12
